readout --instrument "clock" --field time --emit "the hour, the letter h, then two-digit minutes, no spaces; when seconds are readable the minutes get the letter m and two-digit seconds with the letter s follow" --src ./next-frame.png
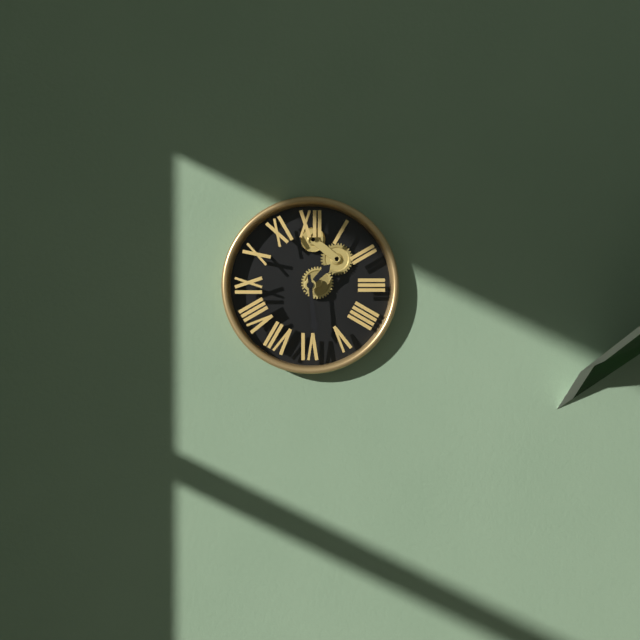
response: 1h29
